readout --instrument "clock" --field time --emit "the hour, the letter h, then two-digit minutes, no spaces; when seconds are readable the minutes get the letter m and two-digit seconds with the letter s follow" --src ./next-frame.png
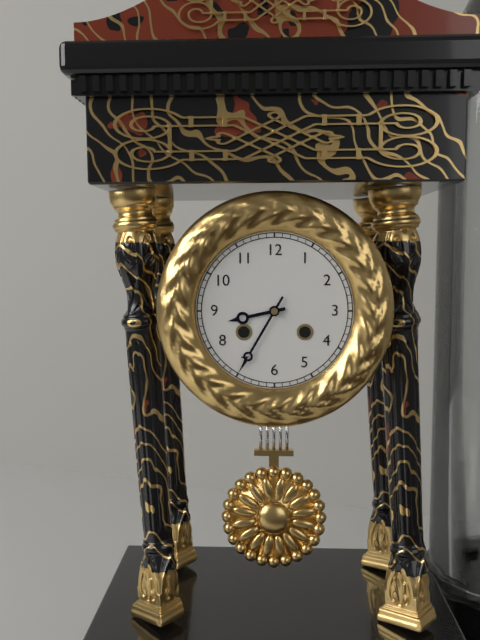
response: 8h35
